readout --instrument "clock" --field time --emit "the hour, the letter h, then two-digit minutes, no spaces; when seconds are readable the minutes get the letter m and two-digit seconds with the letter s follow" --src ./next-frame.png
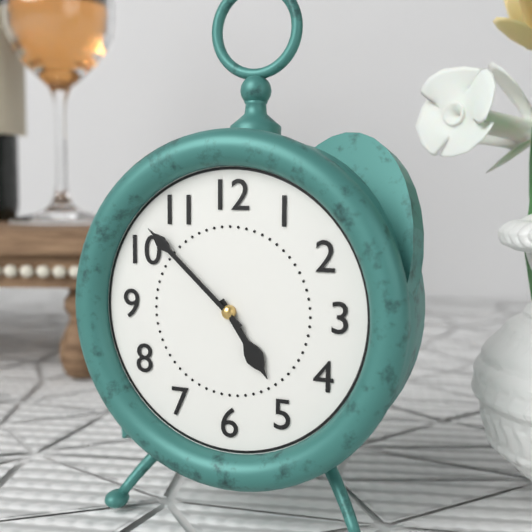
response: 4h52
